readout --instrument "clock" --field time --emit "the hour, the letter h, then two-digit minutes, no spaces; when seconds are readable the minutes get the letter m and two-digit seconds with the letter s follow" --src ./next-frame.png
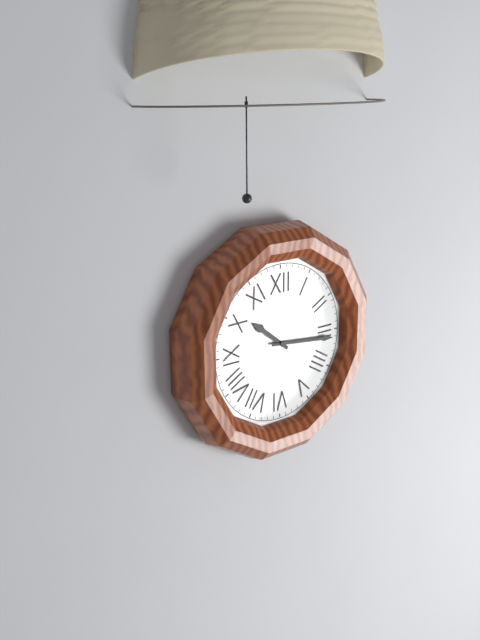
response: 10h16
